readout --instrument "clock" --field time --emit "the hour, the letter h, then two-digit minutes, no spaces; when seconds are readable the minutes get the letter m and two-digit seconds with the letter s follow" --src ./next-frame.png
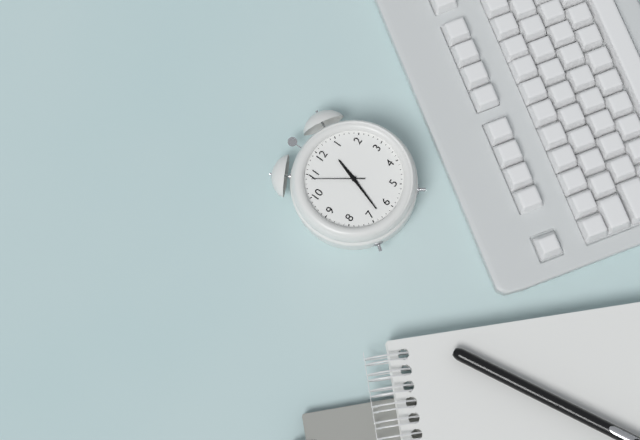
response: 12h33m54s
